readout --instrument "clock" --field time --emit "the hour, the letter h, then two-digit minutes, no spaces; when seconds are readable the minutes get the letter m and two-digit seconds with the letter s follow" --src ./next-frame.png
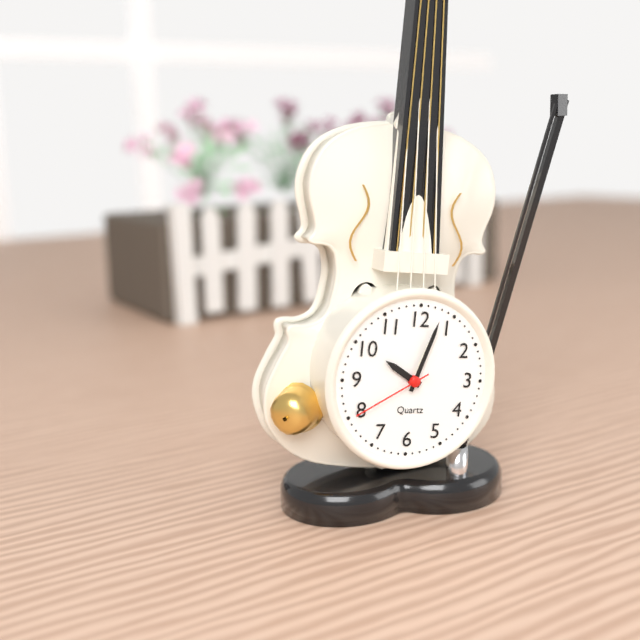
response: 10h03m40s
